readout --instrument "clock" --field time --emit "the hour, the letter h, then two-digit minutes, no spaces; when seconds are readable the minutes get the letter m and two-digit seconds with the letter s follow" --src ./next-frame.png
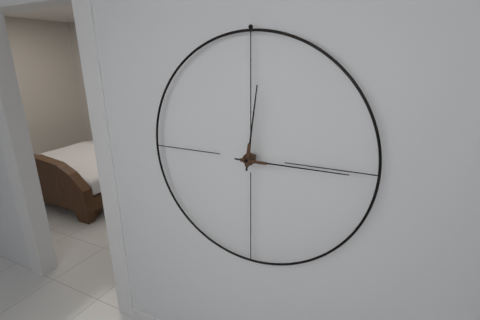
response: 12h15
